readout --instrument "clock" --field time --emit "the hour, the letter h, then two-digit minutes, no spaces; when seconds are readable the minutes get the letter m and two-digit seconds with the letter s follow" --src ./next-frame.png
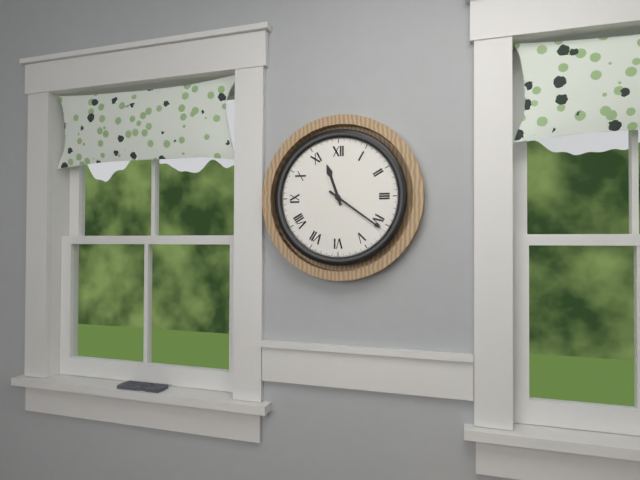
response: 11h21
